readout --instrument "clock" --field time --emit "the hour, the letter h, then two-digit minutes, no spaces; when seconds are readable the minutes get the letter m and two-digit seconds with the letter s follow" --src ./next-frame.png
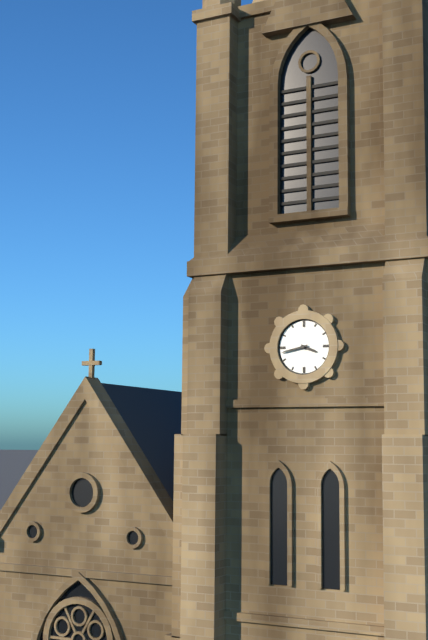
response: 3h43
